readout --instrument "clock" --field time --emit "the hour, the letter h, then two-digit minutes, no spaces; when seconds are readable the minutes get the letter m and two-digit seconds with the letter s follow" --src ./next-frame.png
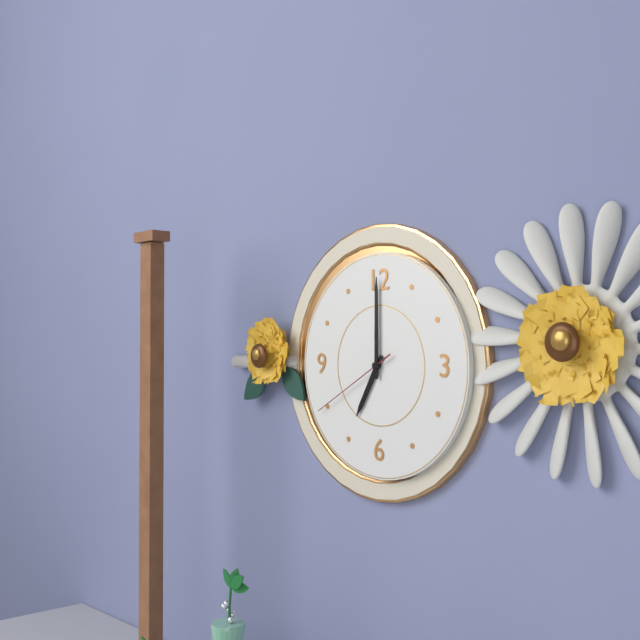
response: 7h00m40s
